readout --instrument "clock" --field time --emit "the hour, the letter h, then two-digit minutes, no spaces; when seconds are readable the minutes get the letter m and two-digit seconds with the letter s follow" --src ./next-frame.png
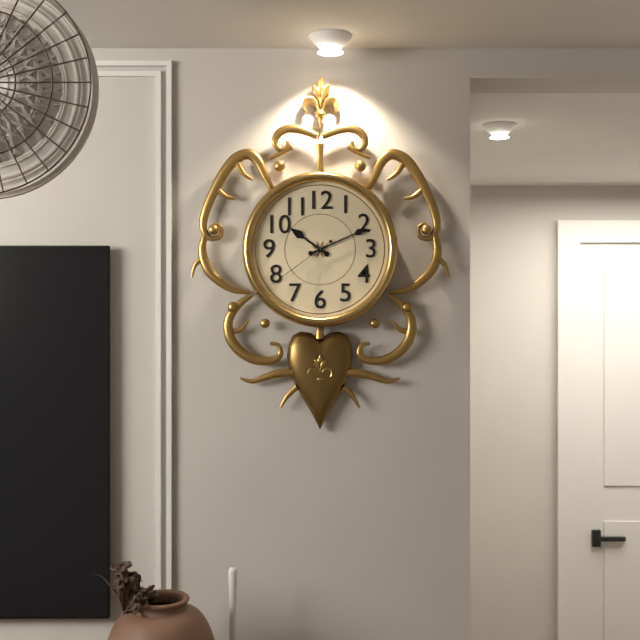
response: 10h11m39s
